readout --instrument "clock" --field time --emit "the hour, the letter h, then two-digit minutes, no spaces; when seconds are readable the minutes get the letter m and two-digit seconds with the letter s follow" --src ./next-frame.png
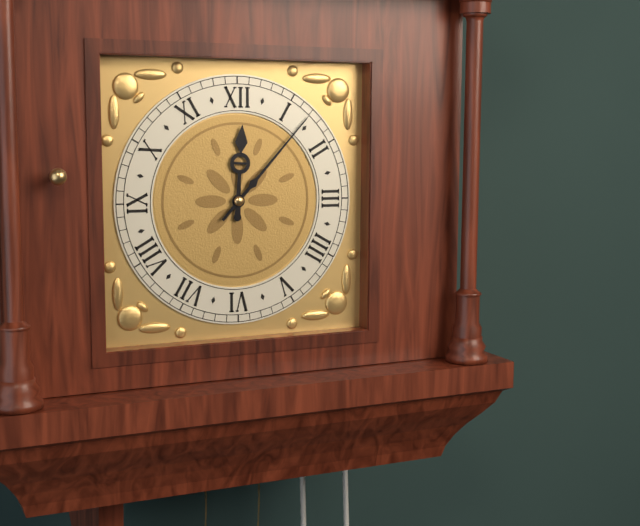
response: 12h07
